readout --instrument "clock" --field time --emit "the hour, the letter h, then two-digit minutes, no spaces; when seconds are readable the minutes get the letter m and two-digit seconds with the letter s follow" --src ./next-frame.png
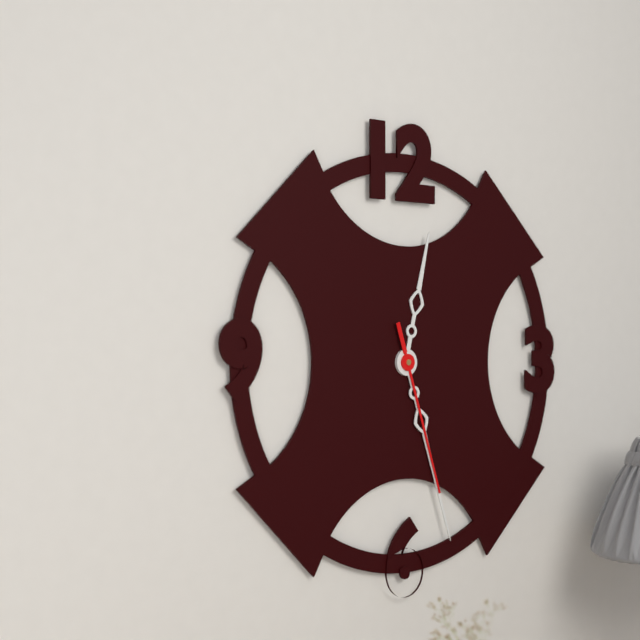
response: 12h27m27s
